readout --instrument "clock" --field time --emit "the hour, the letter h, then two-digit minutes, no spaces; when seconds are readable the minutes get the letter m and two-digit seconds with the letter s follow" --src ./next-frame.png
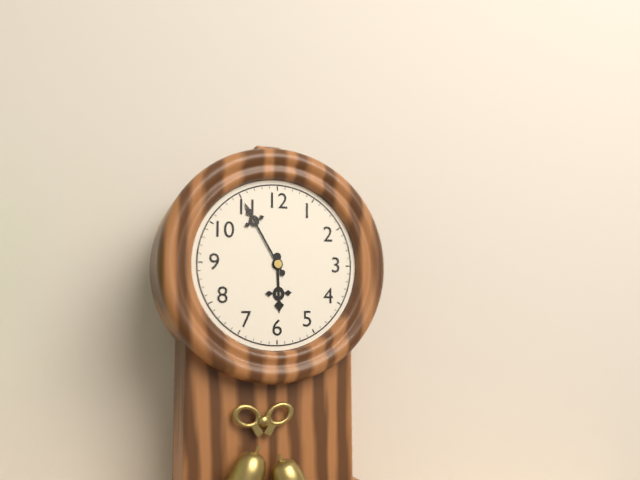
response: 5h55
